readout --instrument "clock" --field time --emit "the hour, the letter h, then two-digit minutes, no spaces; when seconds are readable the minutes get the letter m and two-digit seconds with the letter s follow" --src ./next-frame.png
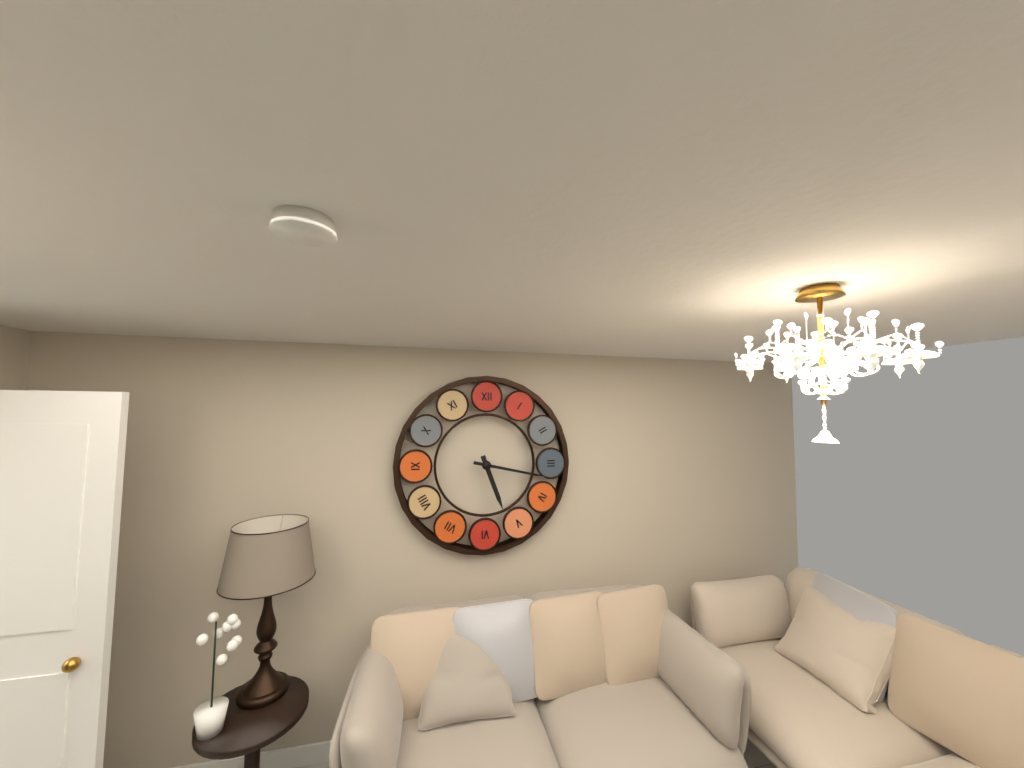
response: 5h17
